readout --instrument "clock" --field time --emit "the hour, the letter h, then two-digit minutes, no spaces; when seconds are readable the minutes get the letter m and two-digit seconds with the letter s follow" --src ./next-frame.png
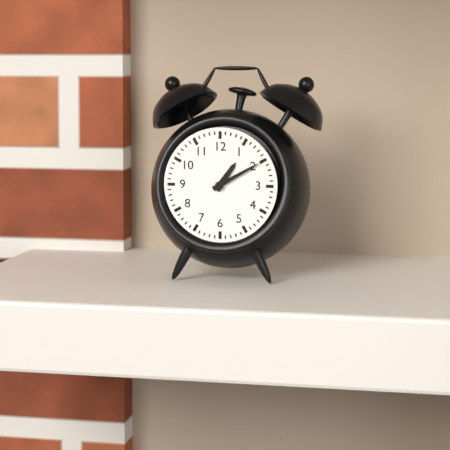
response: 1h10
